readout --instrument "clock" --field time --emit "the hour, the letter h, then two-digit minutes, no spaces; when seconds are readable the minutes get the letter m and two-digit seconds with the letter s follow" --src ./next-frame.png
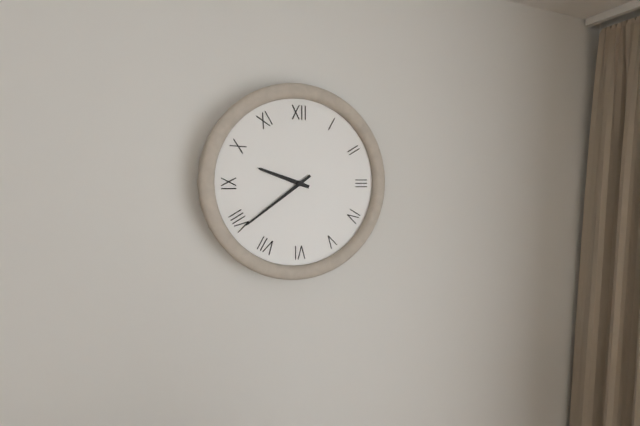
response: 9h39
